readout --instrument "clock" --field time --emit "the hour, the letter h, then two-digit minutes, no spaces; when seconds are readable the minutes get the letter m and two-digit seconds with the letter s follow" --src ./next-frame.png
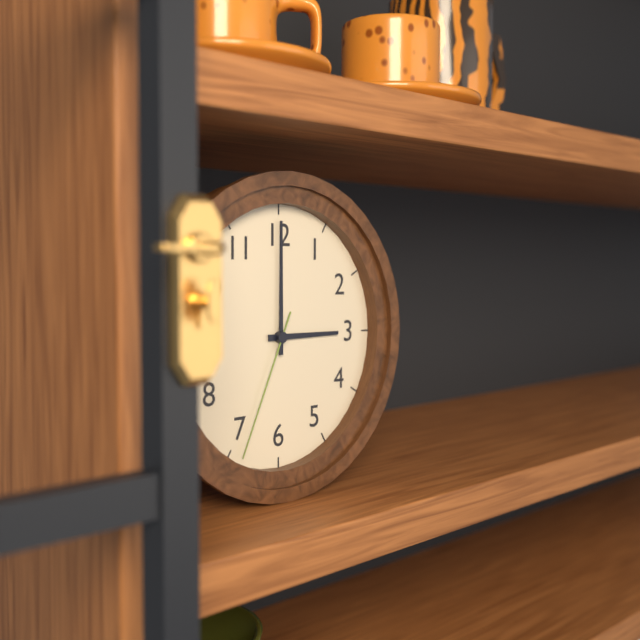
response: 3h00m34s
